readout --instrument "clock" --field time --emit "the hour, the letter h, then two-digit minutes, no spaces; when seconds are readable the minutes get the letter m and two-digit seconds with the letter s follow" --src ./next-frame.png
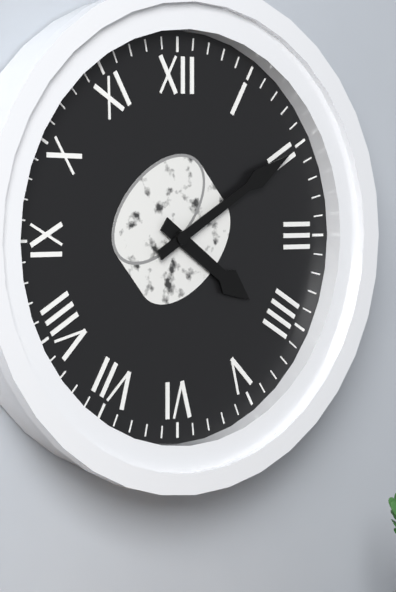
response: 4h10
